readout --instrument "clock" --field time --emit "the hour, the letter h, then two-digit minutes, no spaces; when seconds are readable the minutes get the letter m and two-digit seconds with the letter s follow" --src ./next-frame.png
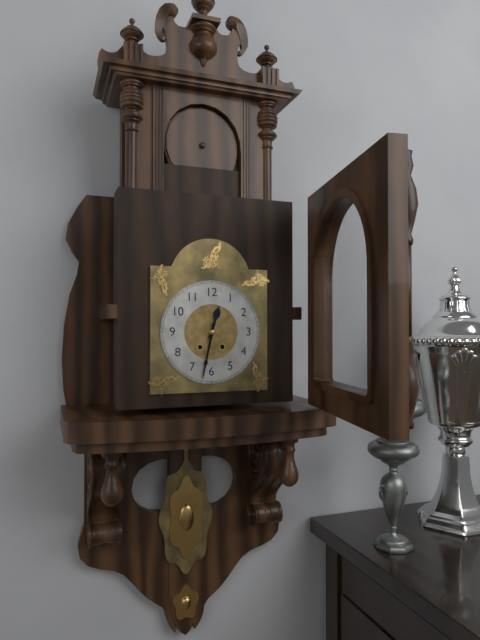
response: 12h32
